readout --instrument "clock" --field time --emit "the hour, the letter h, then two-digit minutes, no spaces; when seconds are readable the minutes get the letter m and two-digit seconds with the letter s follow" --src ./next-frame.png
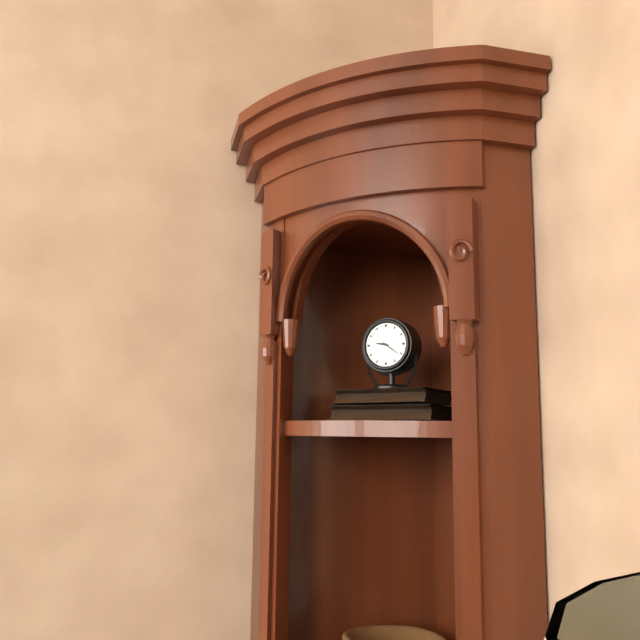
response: 9h21
